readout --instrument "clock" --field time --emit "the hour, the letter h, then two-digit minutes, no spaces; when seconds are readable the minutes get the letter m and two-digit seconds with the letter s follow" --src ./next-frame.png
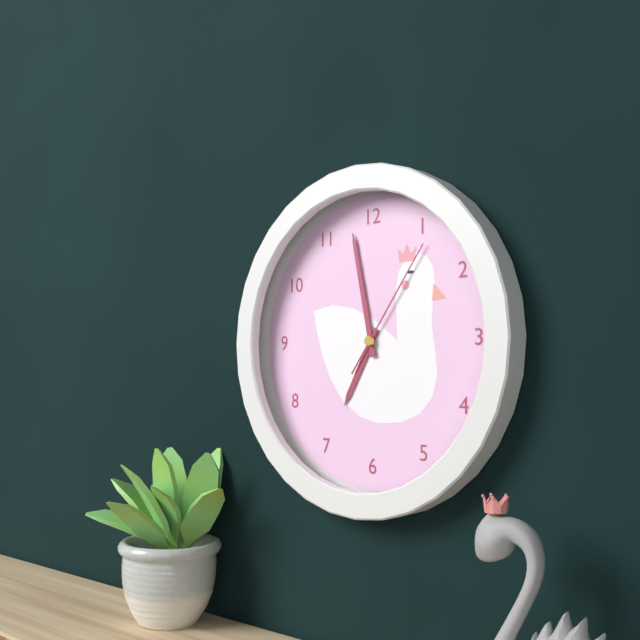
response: 6h58m06s
